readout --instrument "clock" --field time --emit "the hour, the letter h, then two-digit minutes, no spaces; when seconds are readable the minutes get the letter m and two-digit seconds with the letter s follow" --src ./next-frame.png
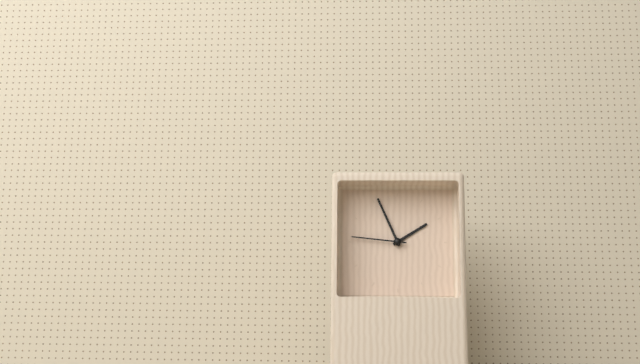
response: 1h56m46s
